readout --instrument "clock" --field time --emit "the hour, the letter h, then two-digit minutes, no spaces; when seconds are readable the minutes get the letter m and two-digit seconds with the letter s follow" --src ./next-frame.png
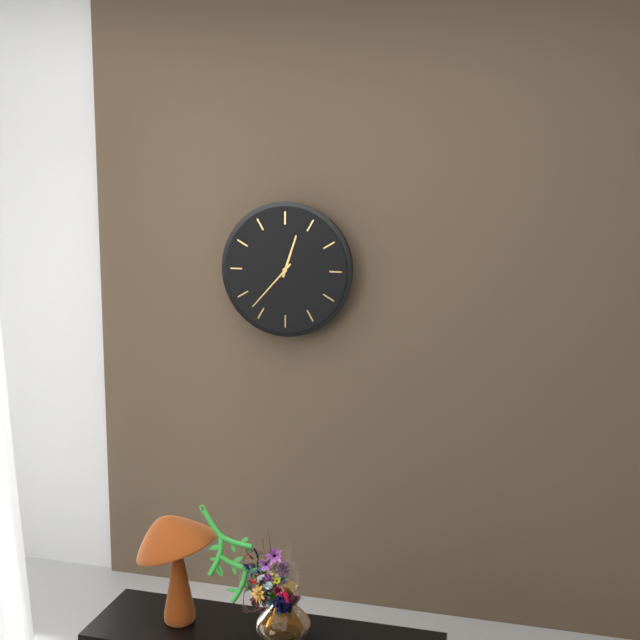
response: 12h37
